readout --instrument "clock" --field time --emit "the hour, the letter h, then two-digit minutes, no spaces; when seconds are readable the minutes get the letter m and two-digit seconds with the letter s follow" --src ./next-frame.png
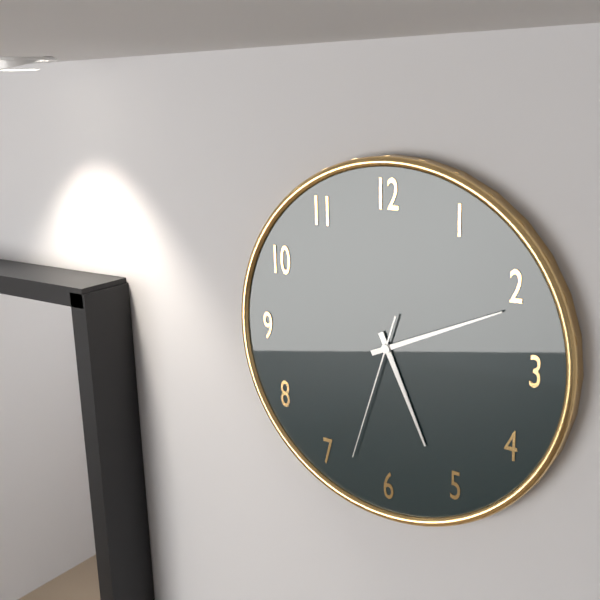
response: 5h11m33s
